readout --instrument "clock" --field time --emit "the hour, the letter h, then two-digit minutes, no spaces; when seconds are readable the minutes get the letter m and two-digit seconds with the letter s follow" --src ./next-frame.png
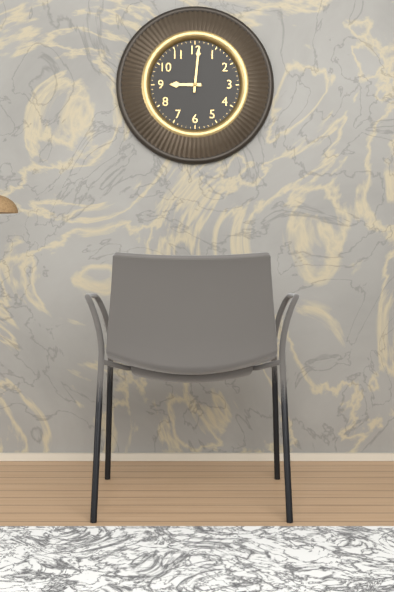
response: 9h01
